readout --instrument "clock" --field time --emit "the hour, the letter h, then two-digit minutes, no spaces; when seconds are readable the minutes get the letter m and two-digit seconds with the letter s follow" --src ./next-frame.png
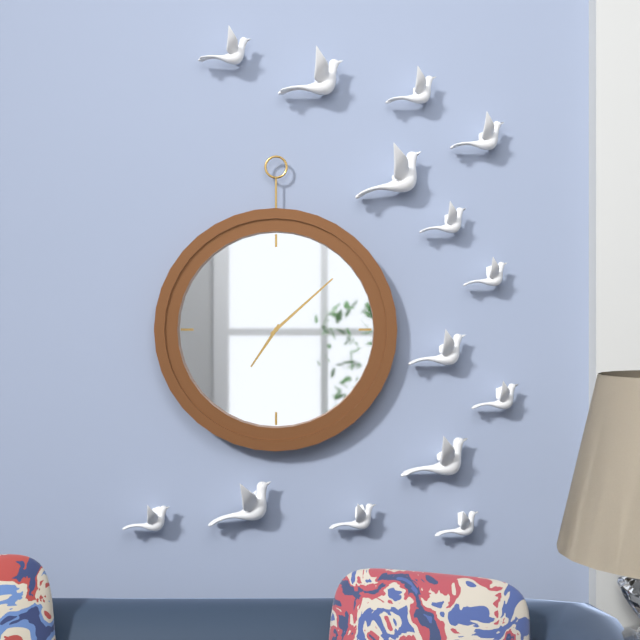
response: 7h08
